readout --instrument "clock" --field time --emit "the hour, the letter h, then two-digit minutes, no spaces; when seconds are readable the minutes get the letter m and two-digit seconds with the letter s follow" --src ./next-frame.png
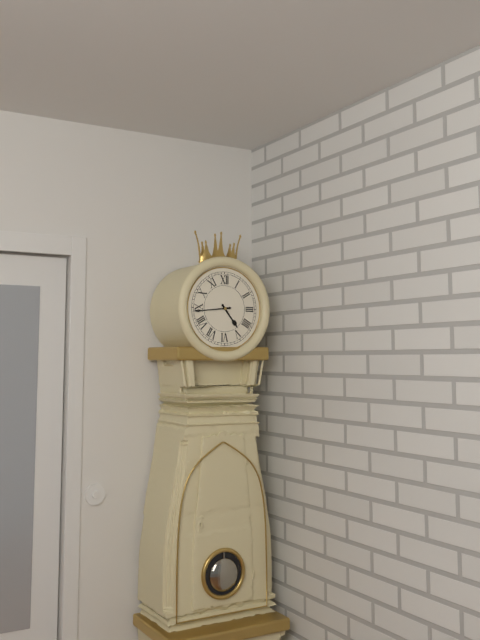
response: 4h44
